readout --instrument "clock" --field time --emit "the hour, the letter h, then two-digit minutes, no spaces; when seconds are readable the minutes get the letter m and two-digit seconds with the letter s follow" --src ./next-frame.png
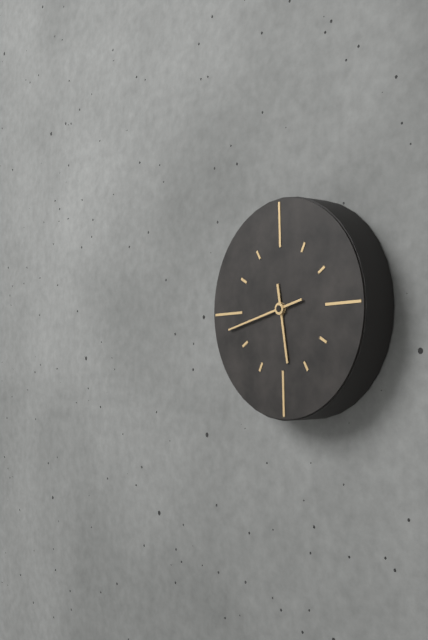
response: 5h43
